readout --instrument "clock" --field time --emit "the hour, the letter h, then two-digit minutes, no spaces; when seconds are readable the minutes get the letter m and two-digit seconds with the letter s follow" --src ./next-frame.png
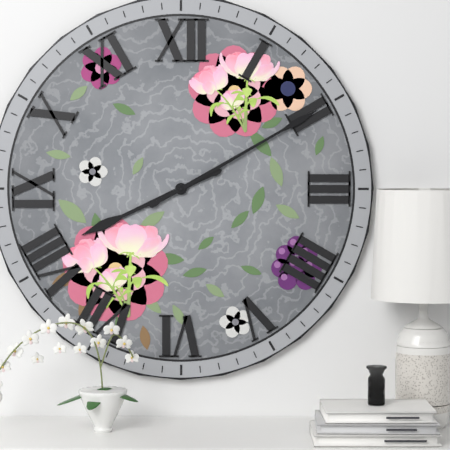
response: 8h10
